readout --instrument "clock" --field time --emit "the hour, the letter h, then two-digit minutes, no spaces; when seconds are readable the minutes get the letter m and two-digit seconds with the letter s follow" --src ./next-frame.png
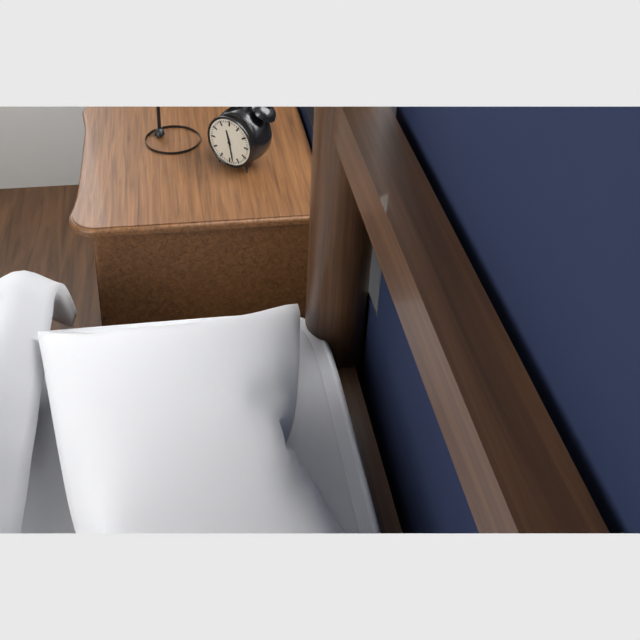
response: 11h28
